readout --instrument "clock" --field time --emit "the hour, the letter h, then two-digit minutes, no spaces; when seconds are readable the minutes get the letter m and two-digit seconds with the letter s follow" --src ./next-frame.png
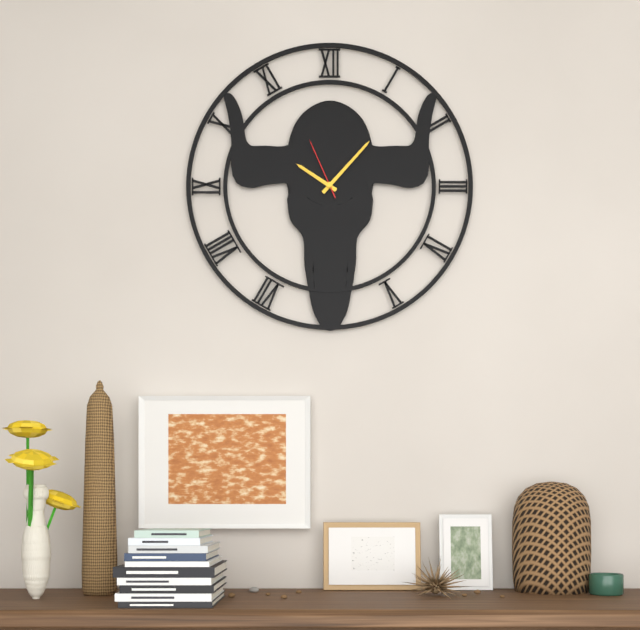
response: 10h07m56s
